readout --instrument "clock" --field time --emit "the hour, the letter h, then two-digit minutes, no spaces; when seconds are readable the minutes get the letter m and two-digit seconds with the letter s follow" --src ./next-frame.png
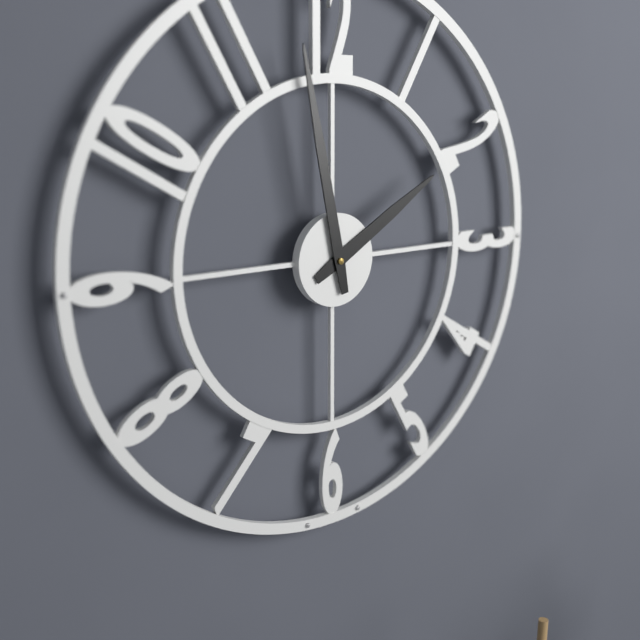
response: 1h58
